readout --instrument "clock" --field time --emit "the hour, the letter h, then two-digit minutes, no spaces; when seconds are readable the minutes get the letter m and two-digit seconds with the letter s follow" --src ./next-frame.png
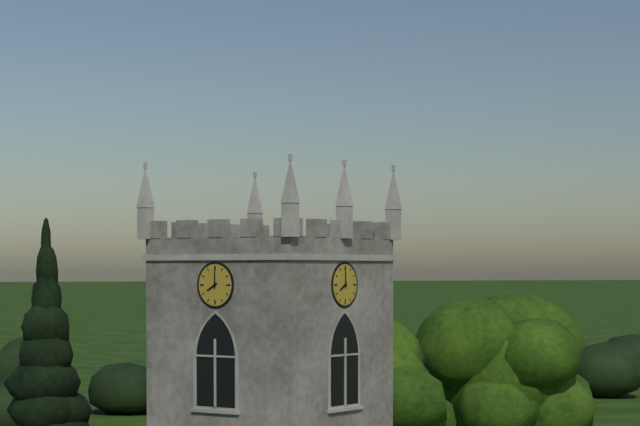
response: 8h00
